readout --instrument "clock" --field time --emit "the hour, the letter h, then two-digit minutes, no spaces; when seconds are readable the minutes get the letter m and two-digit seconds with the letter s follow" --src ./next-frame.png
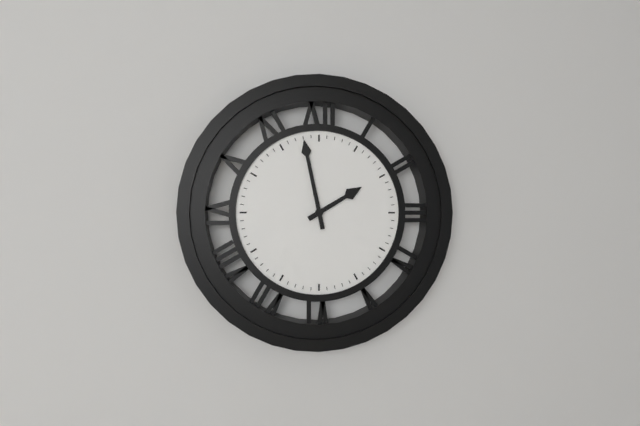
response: 1h58
